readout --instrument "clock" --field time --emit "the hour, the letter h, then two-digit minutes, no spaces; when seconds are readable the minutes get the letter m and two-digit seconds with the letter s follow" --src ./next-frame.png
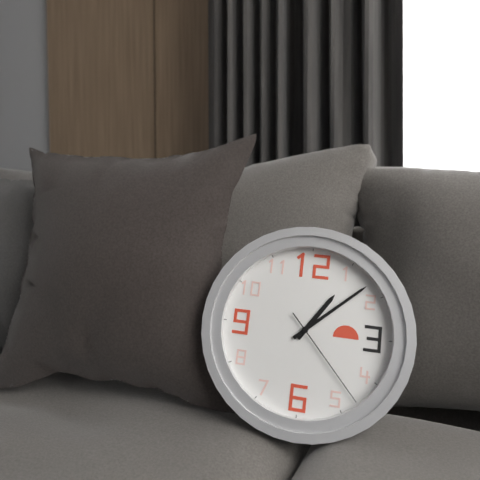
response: 1h08m23s
